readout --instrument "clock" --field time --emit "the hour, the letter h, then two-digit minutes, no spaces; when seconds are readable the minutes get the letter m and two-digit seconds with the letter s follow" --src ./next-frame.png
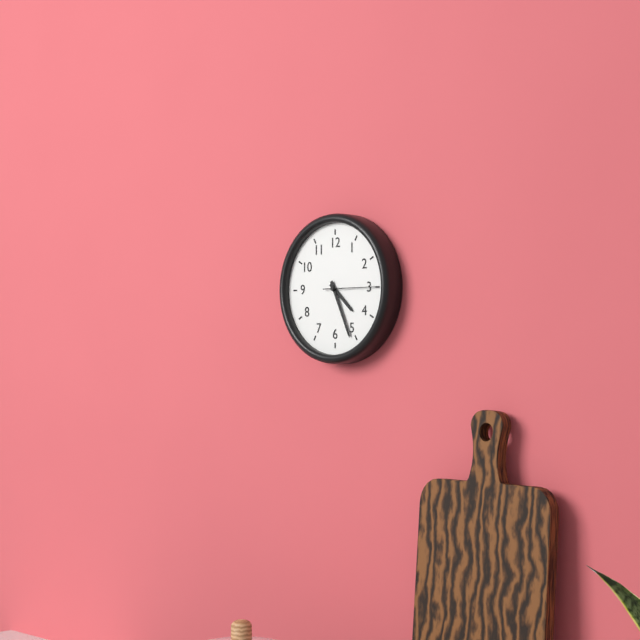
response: 4h26m15s
